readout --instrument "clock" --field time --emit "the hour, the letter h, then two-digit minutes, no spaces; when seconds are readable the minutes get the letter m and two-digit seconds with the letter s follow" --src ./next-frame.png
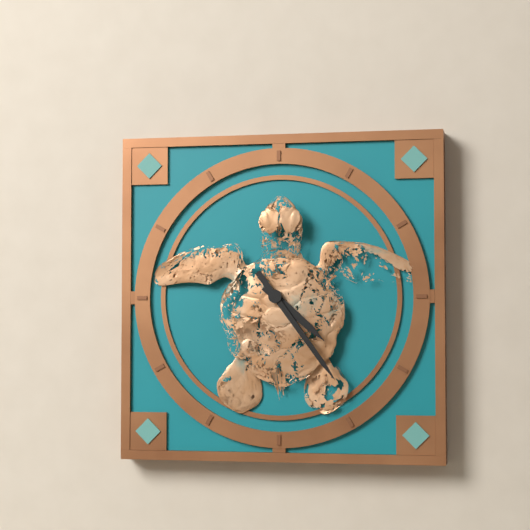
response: 4h24
